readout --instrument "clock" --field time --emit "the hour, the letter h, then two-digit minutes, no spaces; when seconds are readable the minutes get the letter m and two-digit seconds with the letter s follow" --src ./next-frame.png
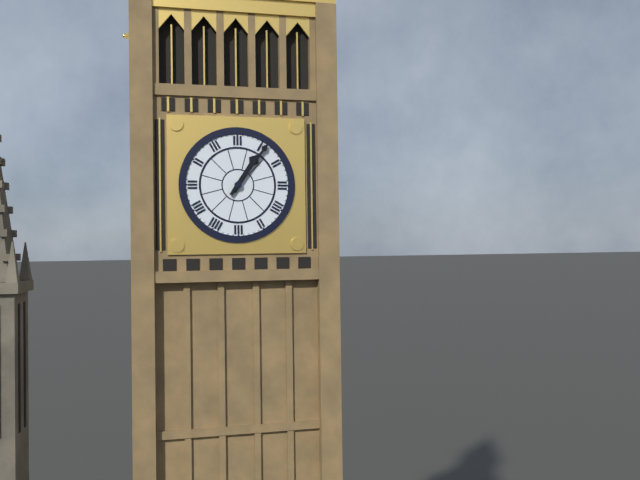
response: 1h06
